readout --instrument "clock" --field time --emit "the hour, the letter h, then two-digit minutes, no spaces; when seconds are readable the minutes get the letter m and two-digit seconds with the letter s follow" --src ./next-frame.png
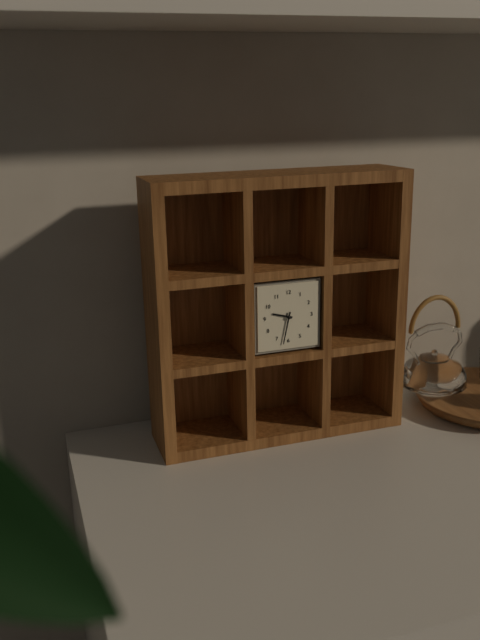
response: 9h32
